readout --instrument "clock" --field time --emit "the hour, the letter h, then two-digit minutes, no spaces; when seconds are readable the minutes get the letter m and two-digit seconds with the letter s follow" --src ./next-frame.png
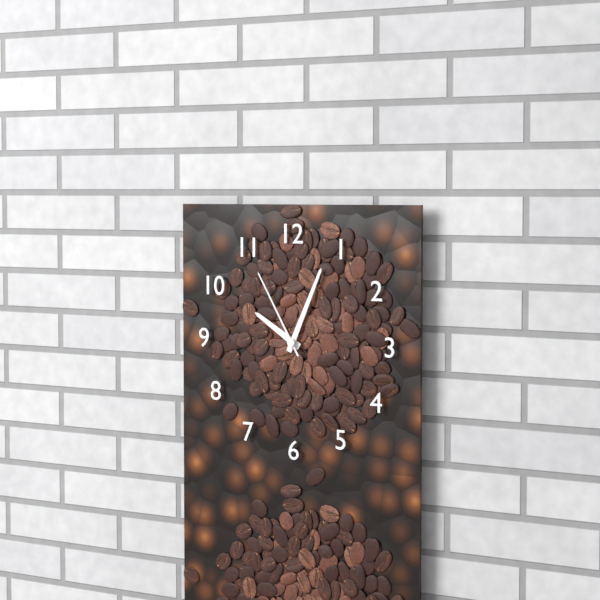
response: 10h04m55s
